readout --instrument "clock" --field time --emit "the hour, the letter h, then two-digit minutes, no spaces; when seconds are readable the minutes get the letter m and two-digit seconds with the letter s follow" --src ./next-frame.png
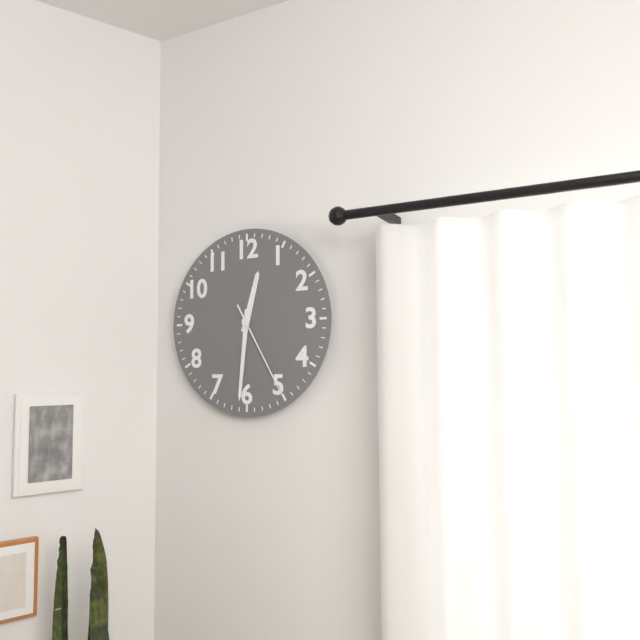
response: 12h31m25s
